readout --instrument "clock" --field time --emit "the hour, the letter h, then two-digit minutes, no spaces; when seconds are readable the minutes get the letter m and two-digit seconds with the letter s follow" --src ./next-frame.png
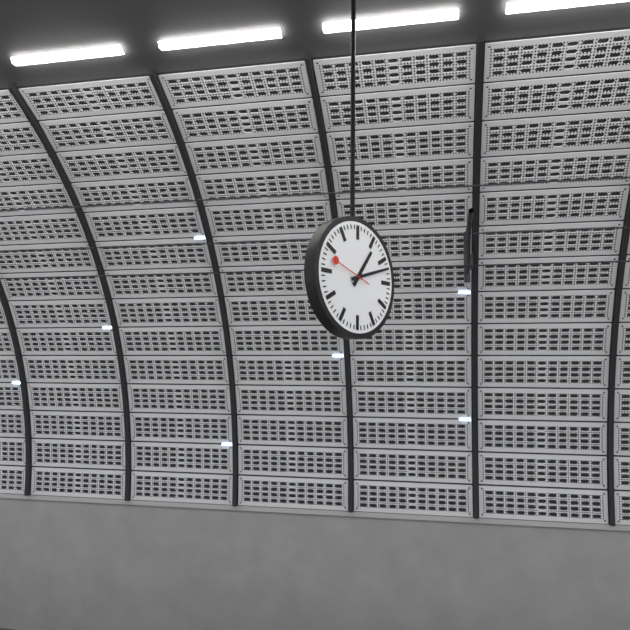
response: 1h12
